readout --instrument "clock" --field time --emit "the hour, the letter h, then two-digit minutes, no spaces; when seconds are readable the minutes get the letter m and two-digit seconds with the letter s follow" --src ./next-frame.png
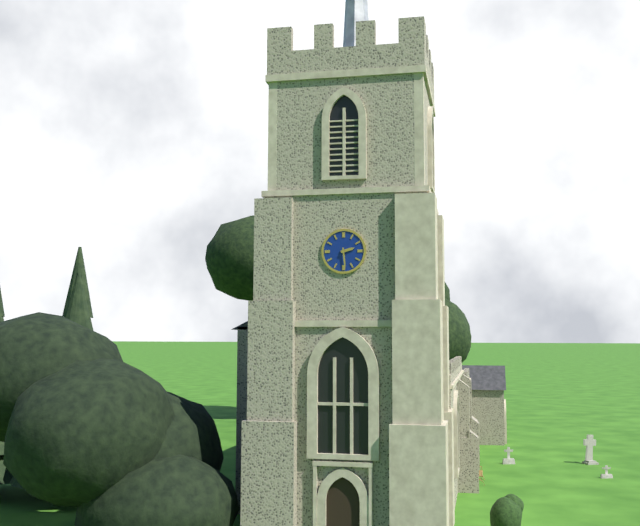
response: 2h29
